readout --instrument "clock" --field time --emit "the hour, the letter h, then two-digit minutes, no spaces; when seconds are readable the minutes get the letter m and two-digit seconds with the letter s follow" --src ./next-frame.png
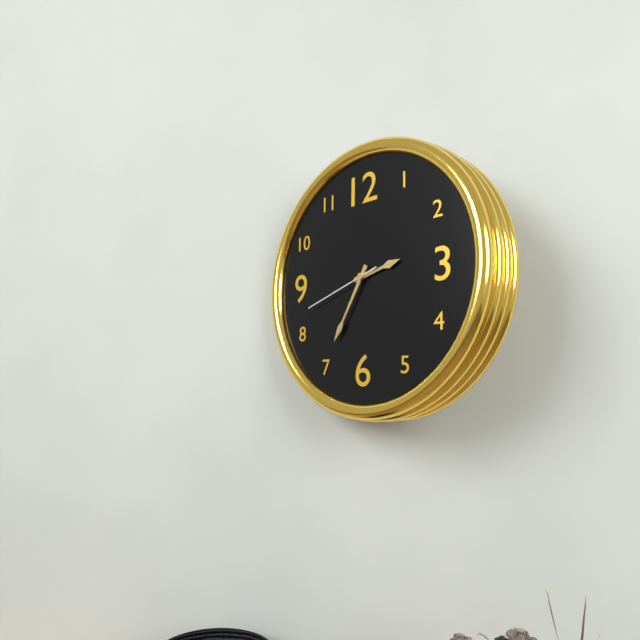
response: 2h35m42s
